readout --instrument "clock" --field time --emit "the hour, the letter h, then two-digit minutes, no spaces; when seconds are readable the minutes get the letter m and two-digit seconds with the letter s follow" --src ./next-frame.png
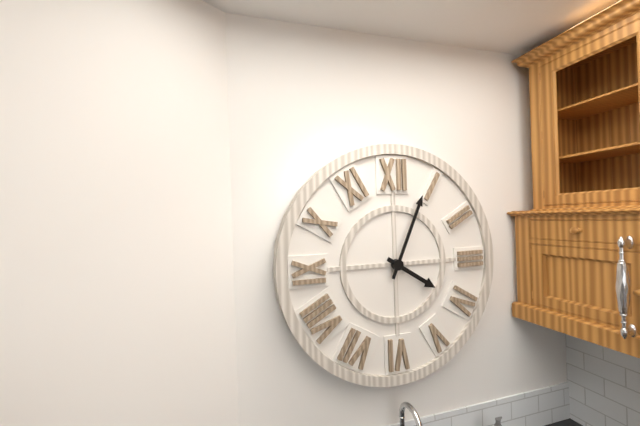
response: 4h04
